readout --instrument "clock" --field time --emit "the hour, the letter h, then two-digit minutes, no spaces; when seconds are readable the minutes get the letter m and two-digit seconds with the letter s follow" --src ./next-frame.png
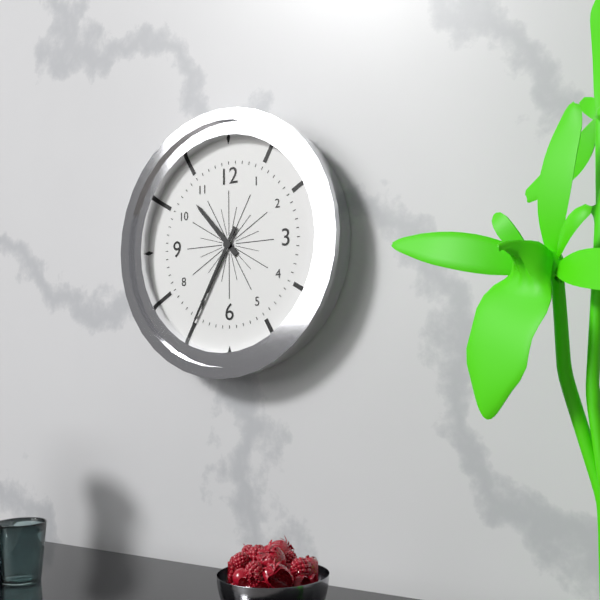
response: 10h35
